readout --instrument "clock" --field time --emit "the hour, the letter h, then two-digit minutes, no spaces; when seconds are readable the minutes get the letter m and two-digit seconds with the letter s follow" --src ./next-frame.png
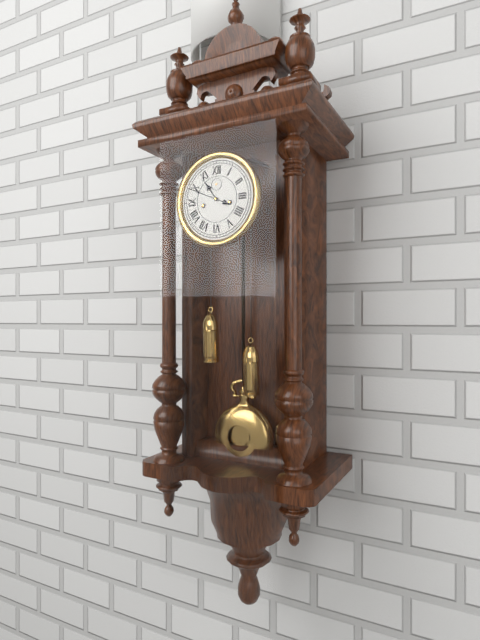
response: 10h49
